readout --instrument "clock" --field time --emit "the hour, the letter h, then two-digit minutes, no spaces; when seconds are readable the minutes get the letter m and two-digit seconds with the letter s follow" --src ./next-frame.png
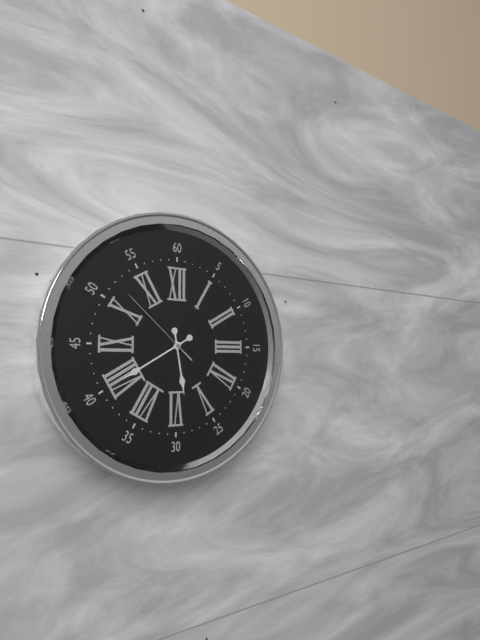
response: 5h40m52s
